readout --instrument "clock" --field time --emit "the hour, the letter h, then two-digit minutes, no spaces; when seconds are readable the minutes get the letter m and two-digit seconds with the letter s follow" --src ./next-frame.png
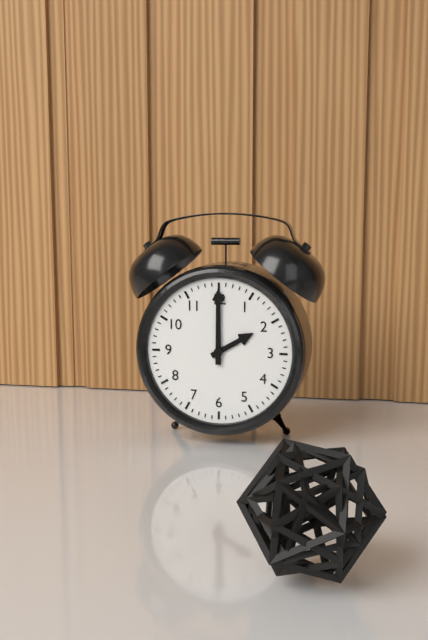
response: 2h00
